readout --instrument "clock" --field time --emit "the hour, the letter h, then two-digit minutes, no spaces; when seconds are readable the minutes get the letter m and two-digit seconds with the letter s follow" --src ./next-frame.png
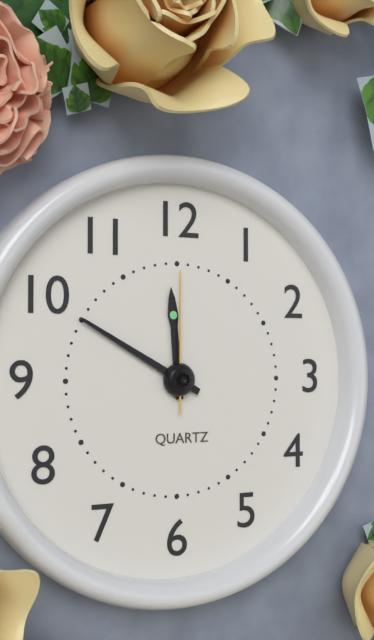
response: 11h50m00s
